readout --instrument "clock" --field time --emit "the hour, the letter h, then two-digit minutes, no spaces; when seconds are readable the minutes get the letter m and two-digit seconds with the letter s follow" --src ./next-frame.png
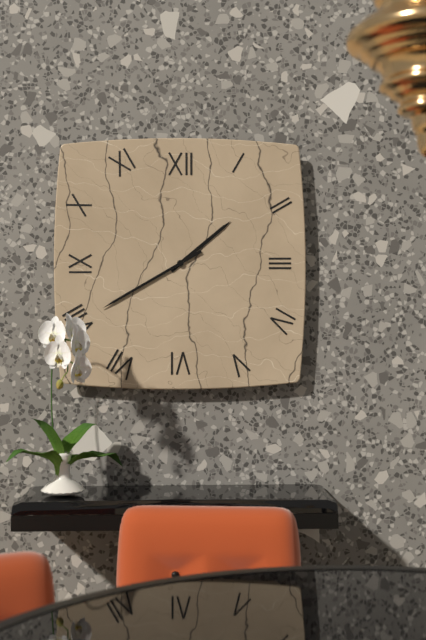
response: 1h40
